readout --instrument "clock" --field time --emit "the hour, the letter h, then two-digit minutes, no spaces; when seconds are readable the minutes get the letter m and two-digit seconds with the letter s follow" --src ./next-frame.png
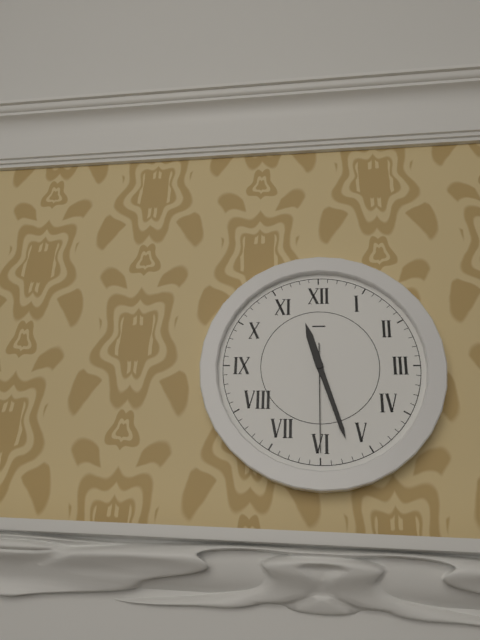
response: 11h27m30s
